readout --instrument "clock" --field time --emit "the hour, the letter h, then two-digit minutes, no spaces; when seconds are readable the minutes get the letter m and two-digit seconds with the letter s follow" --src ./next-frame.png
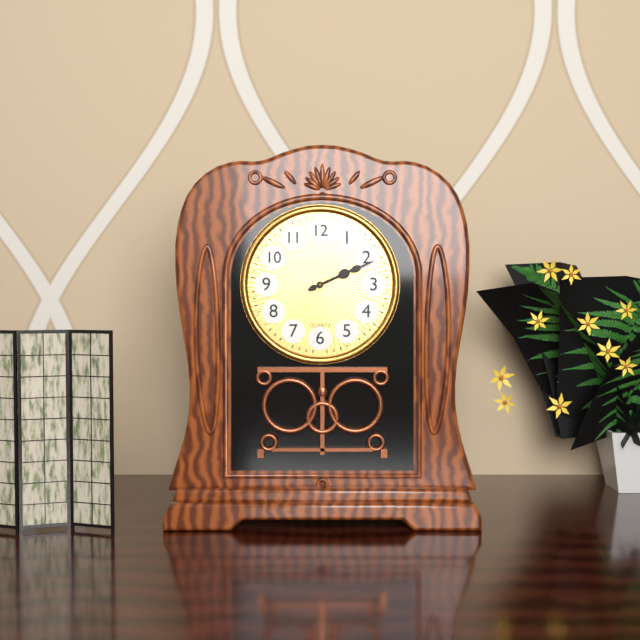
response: 2h11
